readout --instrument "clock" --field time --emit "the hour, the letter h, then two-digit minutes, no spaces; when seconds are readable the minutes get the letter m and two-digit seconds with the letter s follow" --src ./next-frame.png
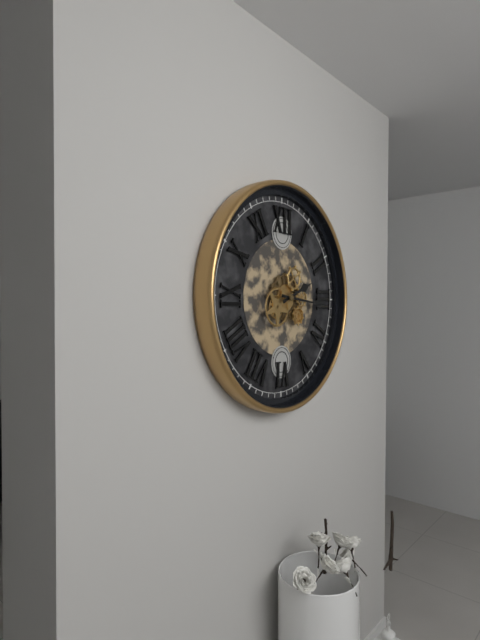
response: 2h16
